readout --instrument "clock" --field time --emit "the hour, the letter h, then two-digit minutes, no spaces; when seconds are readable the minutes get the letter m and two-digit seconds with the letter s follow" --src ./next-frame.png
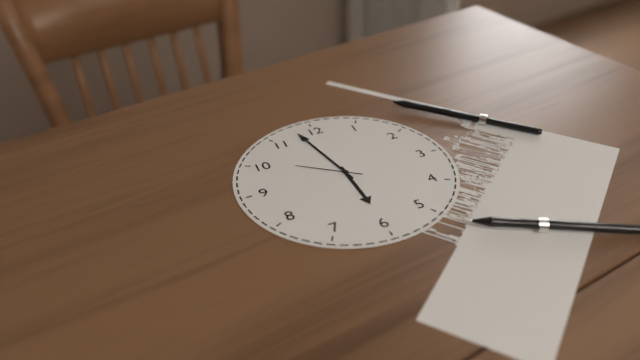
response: 5h58m51s
